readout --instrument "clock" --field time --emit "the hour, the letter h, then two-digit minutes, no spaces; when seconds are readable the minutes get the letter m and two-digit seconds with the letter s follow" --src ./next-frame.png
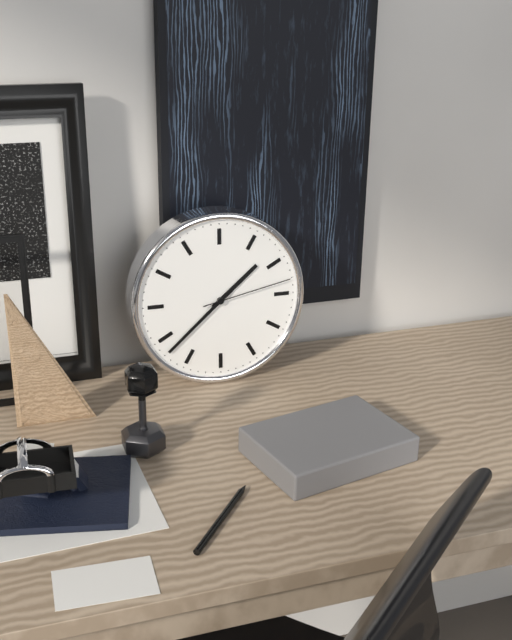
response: 1h38m13s
